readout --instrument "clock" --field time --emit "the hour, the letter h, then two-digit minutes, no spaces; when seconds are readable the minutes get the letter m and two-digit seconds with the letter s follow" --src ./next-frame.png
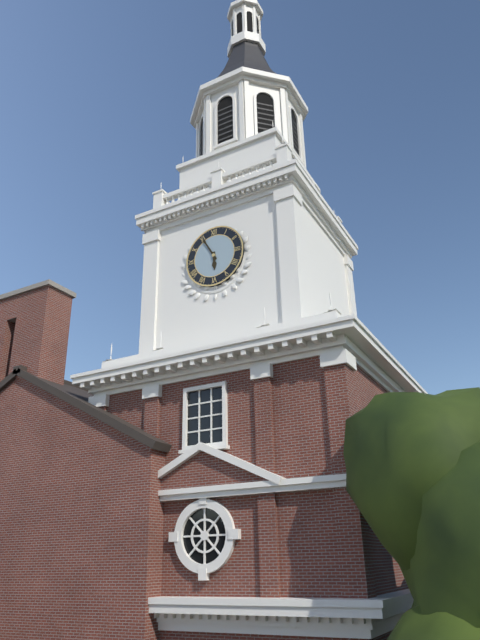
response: 5h55
